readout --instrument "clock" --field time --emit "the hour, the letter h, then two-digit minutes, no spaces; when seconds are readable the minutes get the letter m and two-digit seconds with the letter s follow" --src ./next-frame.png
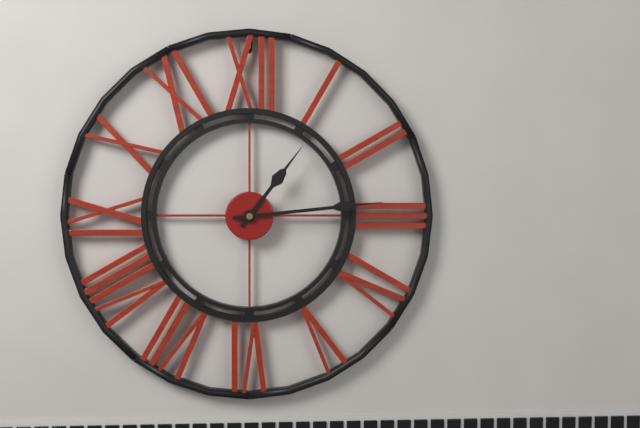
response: 1h14
